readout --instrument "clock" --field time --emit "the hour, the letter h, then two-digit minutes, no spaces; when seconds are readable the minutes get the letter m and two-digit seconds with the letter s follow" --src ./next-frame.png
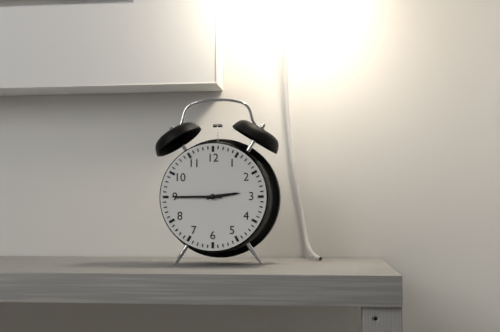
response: 2h45
